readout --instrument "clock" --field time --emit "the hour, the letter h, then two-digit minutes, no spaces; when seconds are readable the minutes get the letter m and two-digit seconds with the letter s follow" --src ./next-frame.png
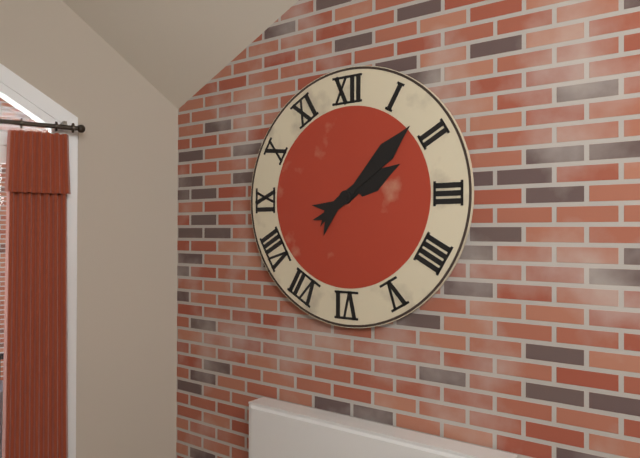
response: 2h08
